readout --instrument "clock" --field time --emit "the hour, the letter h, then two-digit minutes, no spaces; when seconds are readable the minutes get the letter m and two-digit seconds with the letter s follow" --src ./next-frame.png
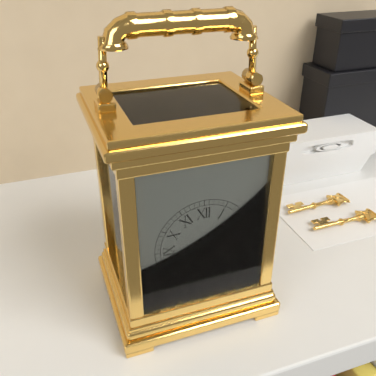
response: 7h34
